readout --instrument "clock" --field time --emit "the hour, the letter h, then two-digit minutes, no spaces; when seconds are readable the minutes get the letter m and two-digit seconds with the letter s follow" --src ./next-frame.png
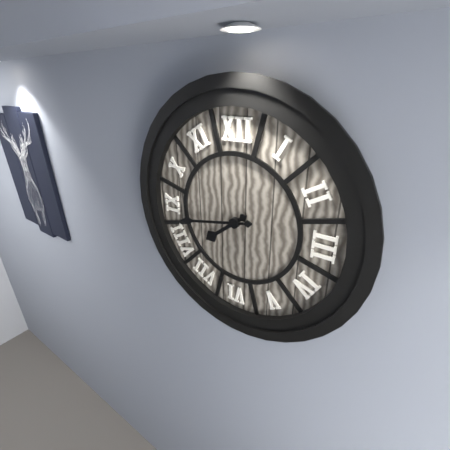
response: 7h43
